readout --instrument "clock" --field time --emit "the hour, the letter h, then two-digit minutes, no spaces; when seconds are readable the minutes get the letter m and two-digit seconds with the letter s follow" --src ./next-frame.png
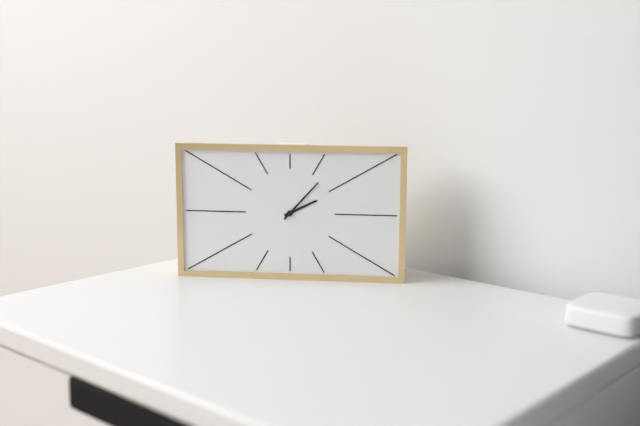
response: 2h07
